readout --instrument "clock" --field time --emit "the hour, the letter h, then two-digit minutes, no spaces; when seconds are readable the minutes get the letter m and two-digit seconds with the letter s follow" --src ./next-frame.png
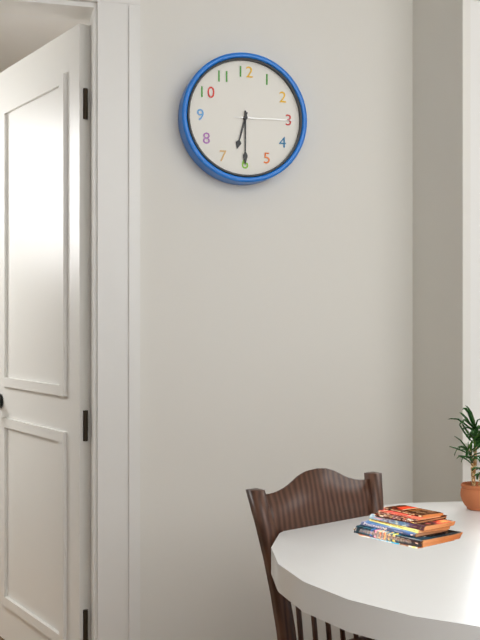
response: 6h30m15s
